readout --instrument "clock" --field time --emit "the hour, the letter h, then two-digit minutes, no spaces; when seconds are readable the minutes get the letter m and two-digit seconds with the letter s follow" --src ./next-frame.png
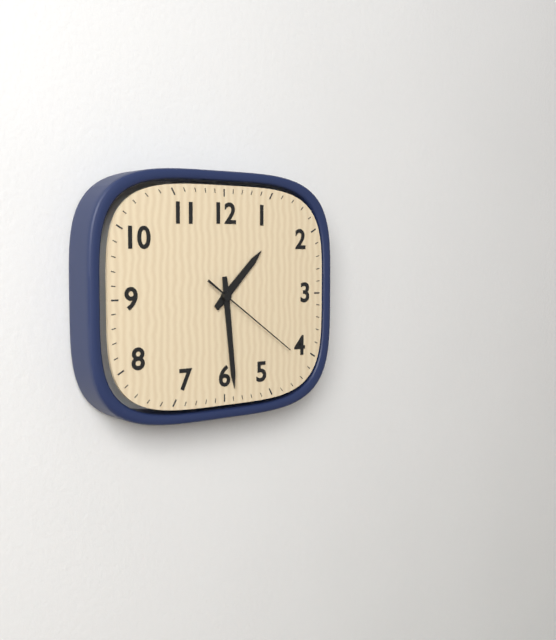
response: 1h29m21s
